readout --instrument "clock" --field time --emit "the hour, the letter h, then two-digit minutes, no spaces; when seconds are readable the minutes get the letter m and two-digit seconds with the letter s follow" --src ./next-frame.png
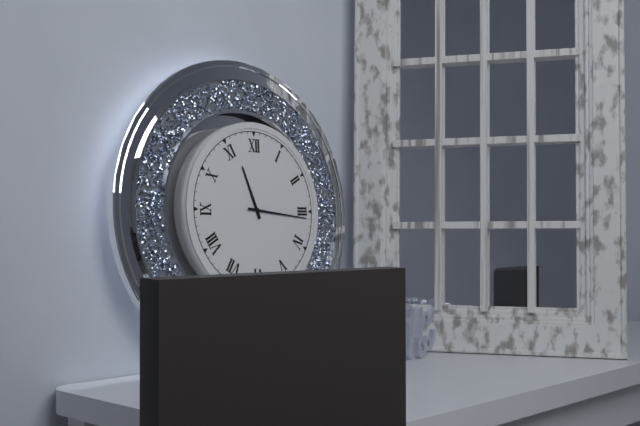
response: 11h16
